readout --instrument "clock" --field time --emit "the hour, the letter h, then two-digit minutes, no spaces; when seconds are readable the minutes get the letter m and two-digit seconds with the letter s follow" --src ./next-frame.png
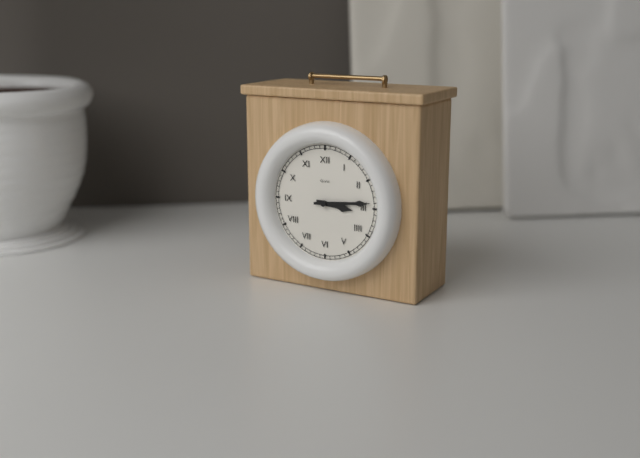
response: 3h14
